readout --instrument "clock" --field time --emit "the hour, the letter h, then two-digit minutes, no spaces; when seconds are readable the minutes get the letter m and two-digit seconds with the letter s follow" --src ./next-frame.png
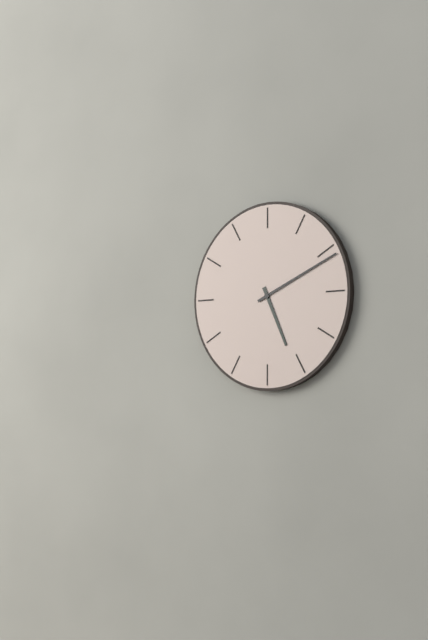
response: 5h11
